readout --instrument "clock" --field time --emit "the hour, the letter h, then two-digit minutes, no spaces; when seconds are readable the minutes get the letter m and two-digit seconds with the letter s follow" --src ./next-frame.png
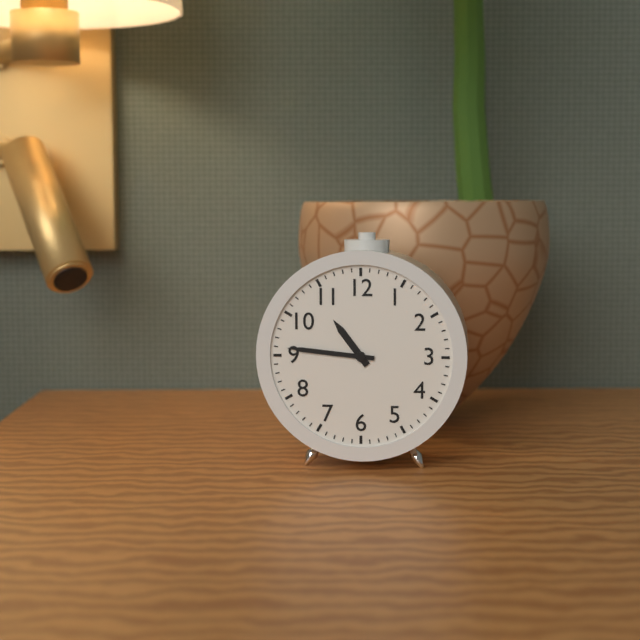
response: 10h46
